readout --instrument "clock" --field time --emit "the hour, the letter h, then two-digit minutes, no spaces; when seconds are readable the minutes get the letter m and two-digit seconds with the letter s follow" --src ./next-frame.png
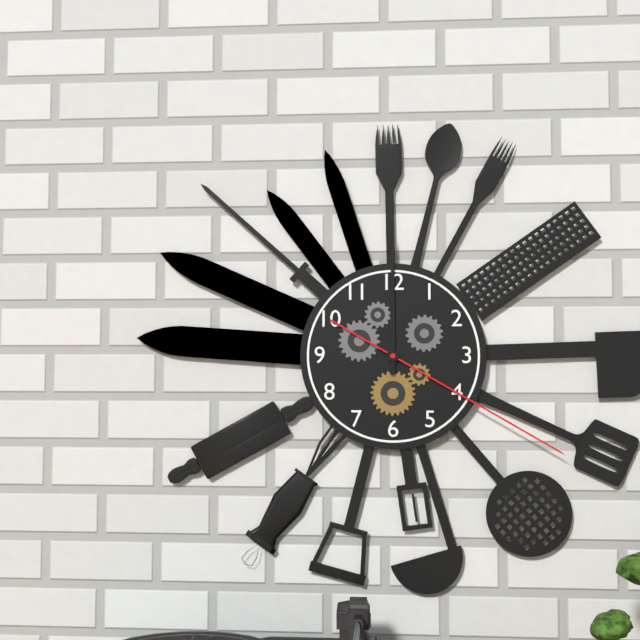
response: 12h00m20s
